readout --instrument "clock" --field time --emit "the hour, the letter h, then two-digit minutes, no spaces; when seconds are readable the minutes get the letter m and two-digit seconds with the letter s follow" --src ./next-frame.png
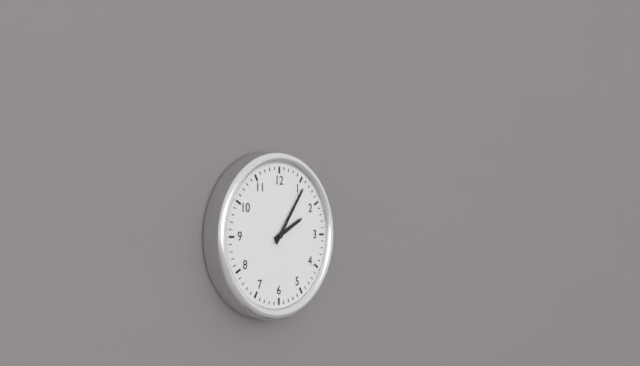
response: 2h06
